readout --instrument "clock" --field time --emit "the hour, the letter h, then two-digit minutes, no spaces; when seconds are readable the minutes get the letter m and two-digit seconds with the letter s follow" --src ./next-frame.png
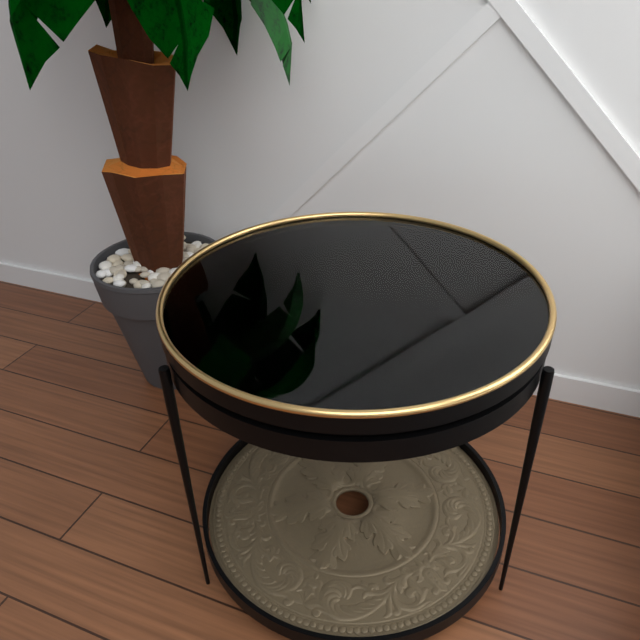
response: 5h14
